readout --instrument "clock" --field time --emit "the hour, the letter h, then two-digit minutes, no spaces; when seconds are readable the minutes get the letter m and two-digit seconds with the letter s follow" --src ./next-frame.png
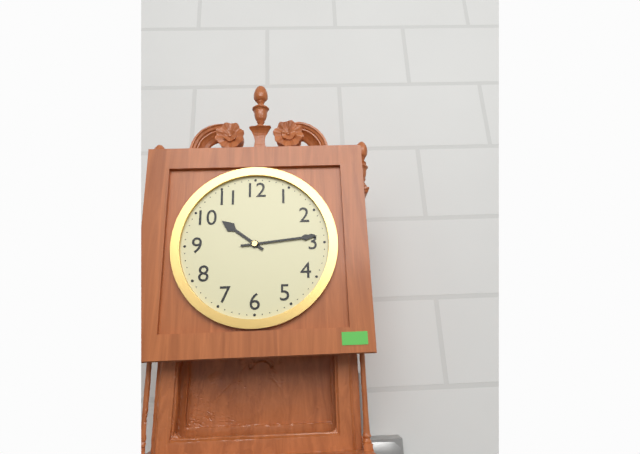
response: 10h14
